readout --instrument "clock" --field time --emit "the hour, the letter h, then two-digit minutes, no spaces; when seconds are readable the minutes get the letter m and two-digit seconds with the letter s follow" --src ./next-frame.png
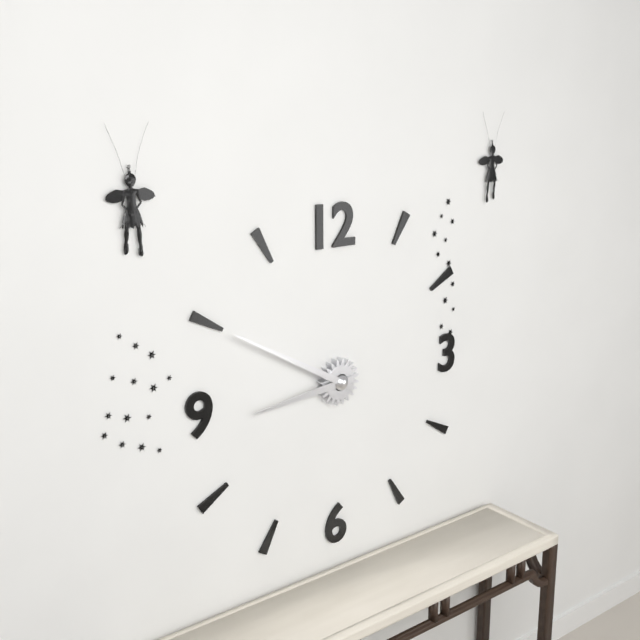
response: 8h50
